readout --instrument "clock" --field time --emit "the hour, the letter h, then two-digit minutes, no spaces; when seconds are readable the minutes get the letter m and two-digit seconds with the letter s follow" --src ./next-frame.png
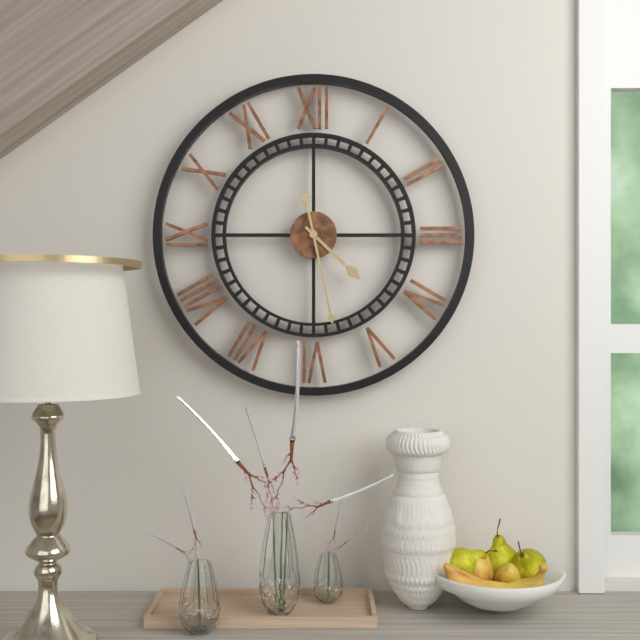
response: 4h28
